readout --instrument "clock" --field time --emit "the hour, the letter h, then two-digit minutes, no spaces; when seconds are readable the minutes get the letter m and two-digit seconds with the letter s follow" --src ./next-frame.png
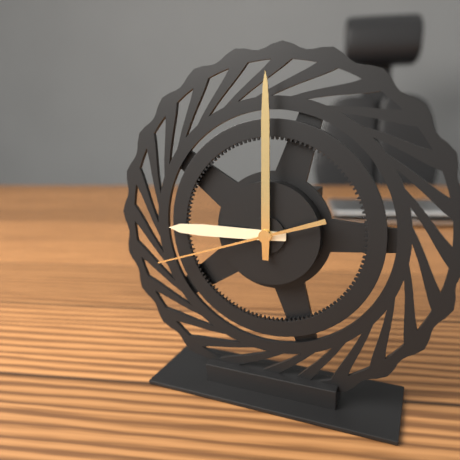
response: 9h00m42s
